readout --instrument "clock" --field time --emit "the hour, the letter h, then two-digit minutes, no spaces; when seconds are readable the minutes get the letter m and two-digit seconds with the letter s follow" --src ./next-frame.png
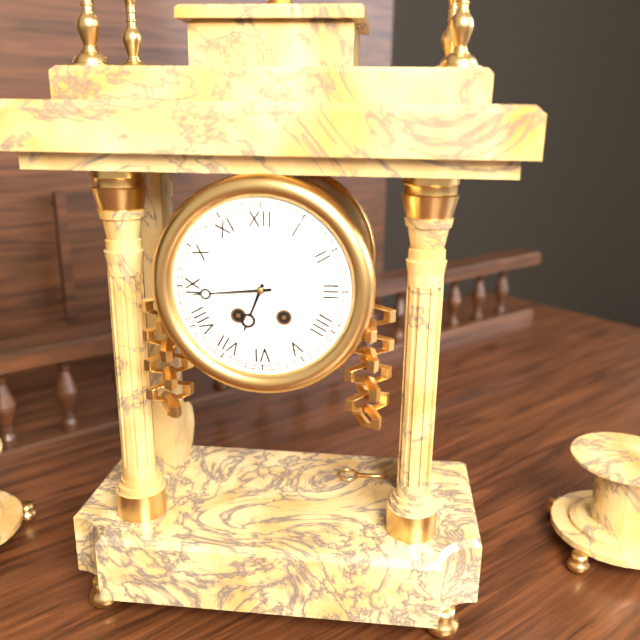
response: 6h44
